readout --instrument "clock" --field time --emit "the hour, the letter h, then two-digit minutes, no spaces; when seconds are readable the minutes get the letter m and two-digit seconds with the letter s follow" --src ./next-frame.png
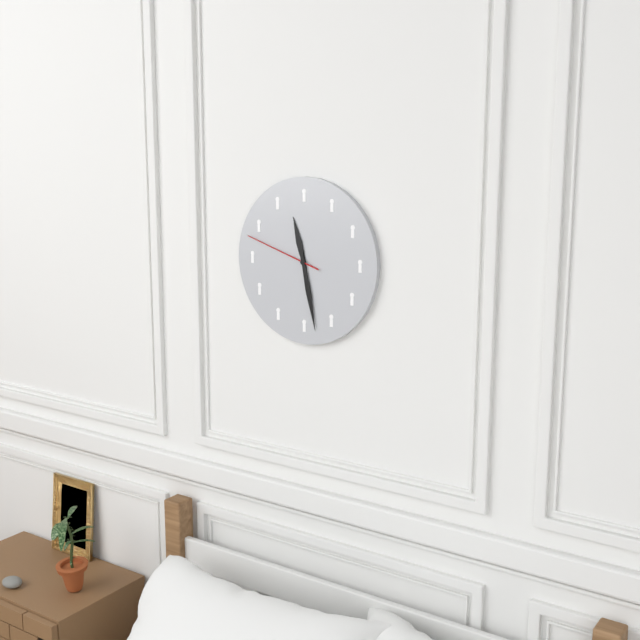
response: 11h28m48s
